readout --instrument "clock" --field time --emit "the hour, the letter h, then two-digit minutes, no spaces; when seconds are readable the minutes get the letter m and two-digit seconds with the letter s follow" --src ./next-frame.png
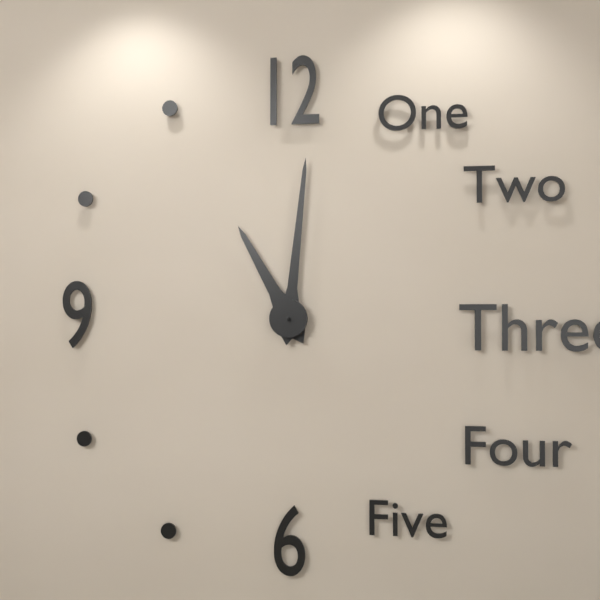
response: 11h01
